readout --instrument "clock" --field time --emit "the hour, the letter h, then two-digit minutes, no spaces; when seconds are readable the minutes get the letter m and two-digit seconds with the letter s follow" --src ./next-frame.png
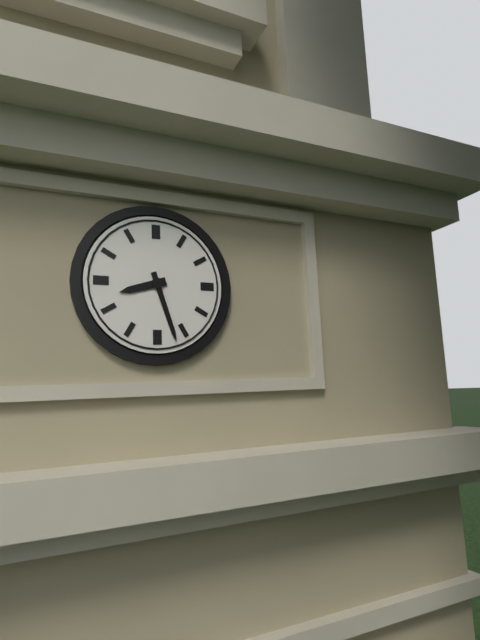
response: 8h27
